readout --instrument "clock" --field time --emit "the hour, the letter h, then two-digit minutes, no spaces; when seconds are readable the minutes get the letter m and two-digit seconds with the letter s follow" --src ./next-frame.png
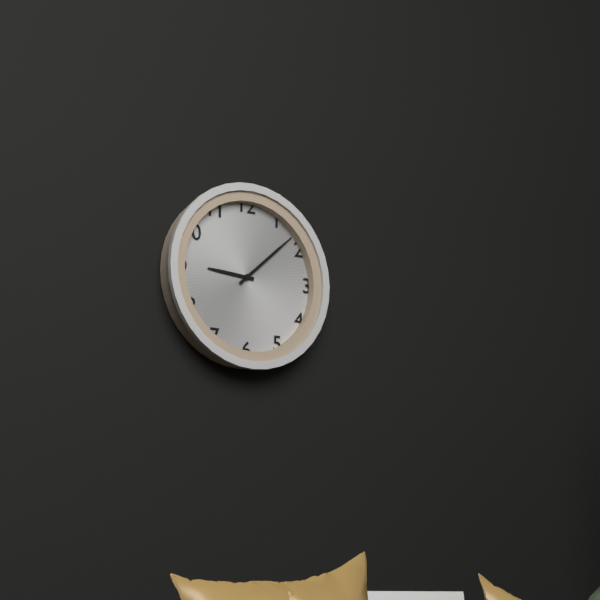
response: 9h08
